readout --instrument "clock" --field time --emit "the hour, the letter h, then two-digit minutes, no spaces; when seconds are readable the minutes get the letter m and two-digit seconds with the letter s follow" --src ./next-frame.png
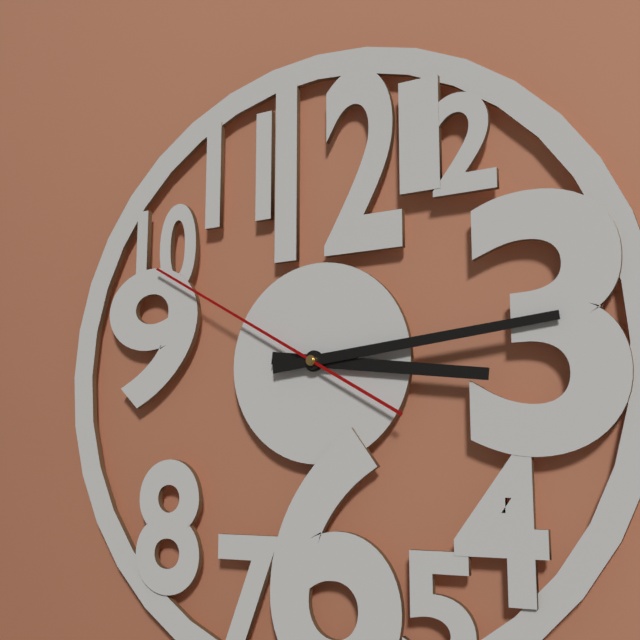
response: 3h14m50s
